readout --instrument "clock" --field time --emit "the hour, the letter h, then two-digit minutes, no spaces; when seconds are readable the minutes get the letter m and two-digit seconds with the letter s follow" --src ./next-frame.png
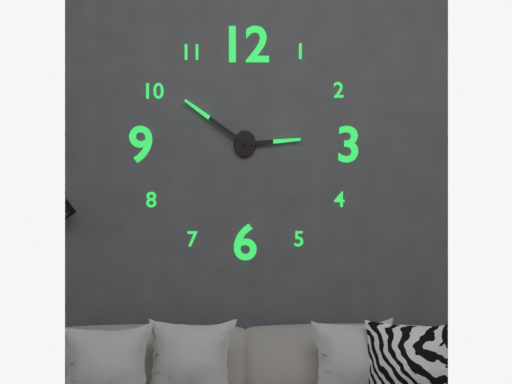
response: 2h51
